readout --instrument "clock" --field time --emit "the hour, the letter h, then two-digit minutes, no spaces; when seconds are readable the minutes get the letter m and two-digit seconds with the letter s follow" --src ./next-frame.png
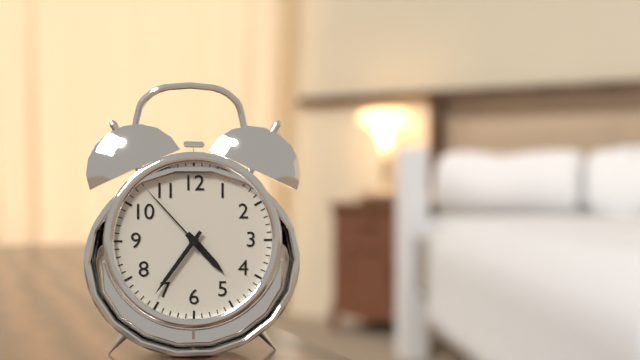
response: 4h36m53s
